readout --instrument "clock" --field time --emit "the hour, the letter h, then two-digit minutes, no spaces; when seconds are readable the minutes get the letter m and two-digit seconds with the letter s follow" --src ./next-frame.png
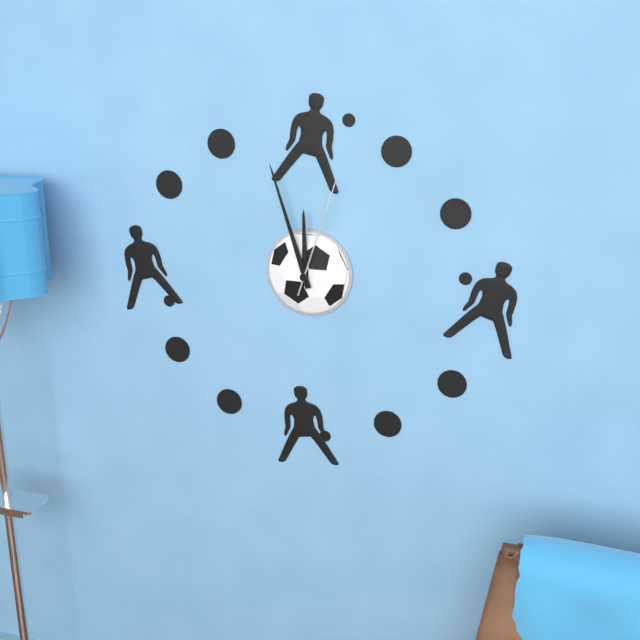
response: 11h57m03s
